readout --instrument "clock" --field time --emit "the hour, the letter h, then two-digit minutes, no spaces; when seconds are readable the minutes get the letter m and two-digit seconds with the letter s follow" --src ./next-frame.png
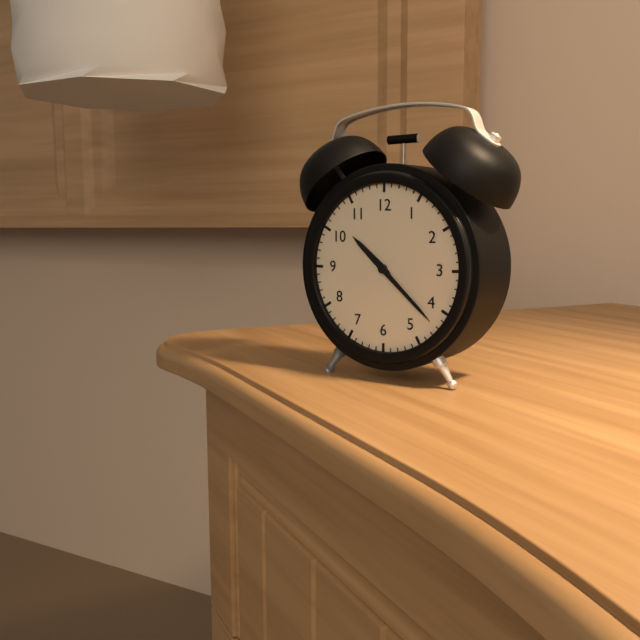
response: 10h22
